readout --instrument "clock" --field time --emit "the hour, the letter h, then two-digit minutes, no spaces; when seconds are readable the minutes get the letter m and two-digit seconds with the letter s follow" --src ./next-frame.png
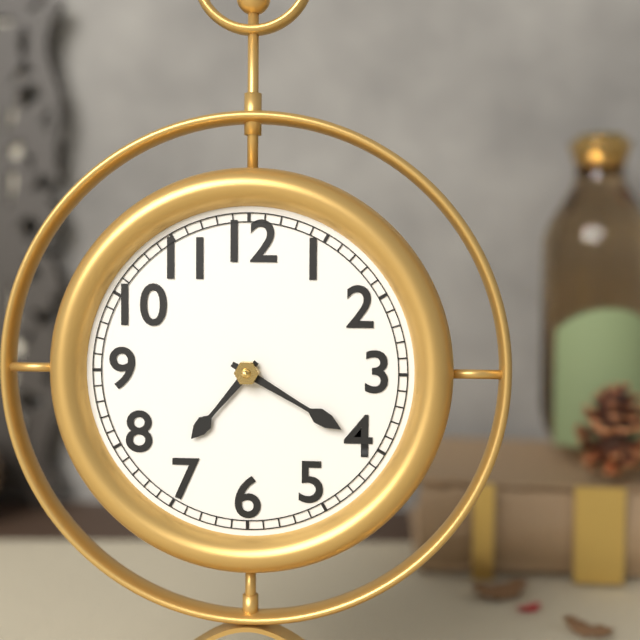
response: 7h20
